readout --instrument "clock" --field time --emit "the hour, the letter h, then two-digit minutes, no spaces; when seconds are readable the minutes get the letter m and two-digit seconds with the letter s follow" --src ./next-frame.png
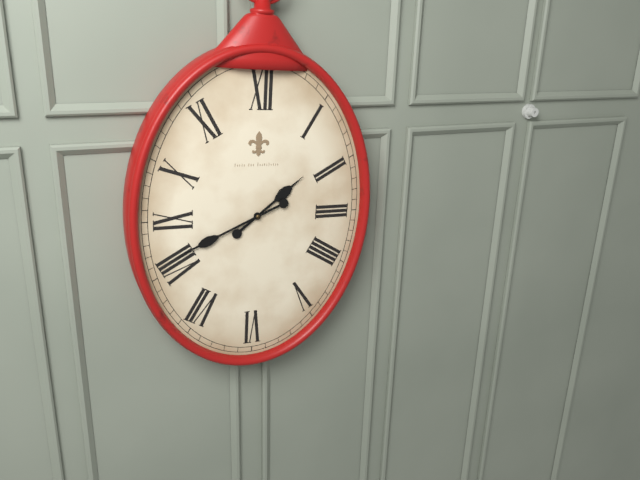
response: 1h41
